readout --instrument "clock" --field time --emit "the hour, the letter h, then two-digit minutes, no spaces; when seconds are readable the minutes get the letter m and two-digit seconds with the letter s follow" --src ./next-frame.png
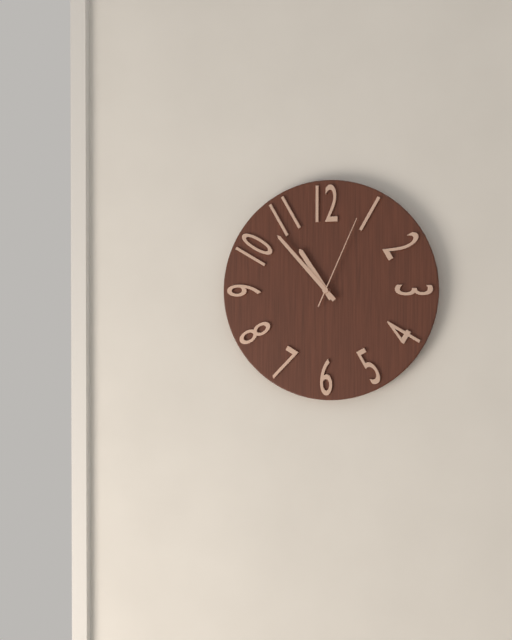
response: 10h53m04s
